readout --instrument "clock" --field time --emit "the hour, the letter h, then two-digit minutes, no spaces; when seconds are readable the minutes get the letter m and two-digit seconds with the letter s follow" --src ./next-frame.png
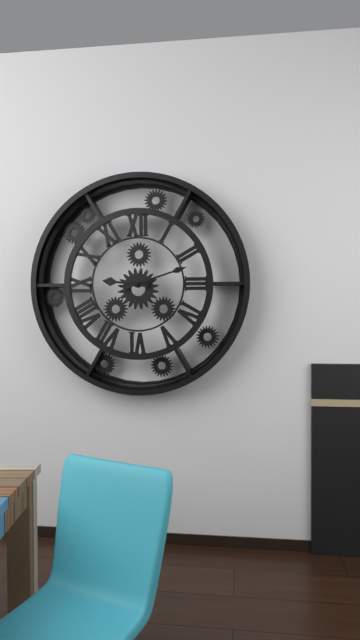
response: 9h12
